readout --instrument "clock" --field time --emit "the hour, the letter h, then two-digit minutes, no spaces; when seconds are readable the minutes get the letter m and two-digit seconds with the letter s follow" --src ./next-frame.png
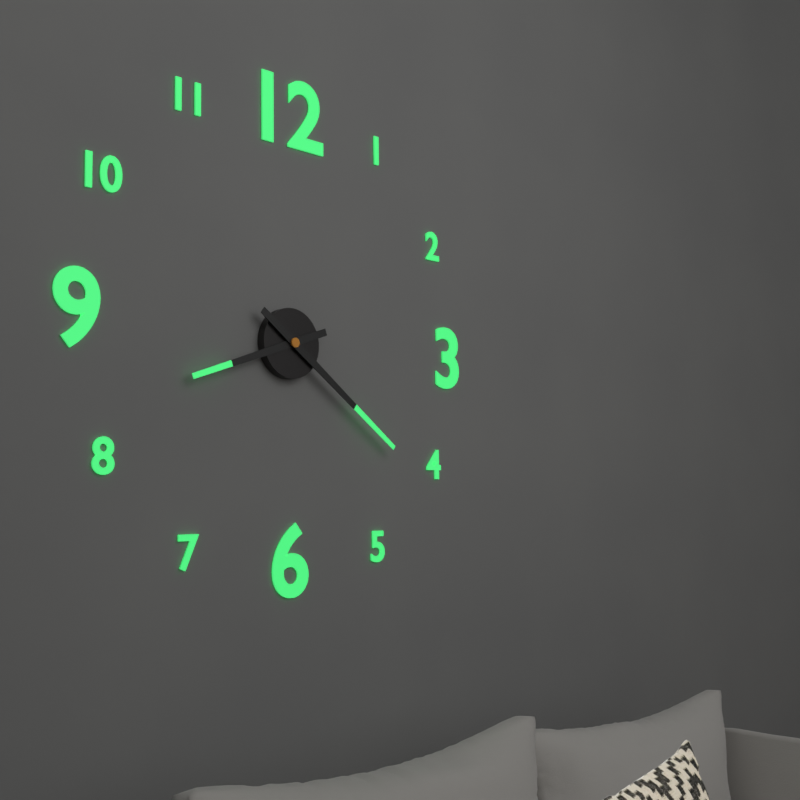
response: 8h21
